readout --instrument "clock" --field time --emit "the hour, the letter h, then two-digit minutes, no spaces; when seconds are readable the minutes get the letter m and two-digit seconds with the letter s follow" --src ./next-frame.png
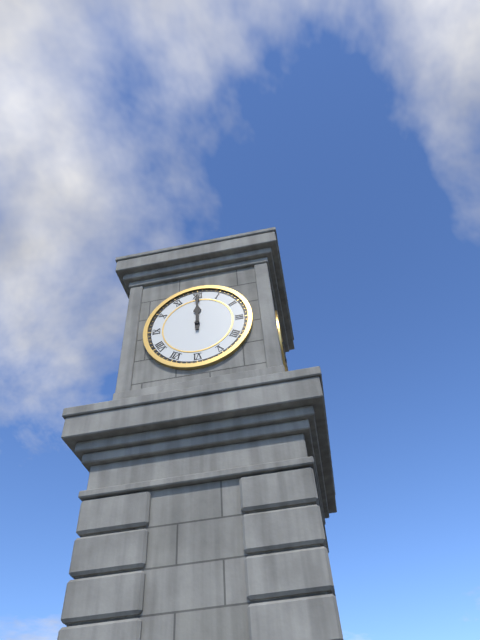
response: 12h00
